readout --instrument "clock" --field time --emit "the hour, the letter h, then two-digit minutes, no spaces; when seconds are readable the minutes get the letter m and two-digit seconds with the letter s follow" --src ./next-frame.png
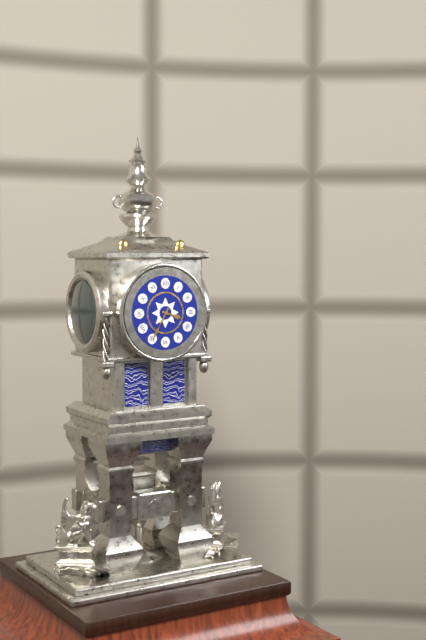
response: 3h35
